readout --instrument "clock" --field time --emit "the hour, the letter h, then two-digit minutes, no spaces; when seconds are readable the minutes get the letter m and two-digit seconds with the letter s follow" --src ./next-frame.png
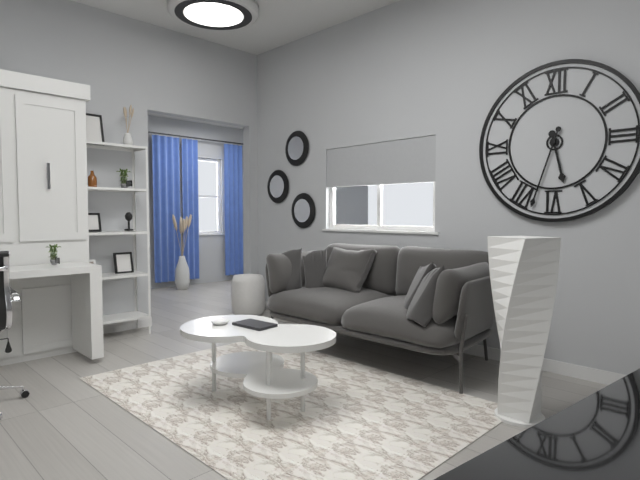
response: 5h33
